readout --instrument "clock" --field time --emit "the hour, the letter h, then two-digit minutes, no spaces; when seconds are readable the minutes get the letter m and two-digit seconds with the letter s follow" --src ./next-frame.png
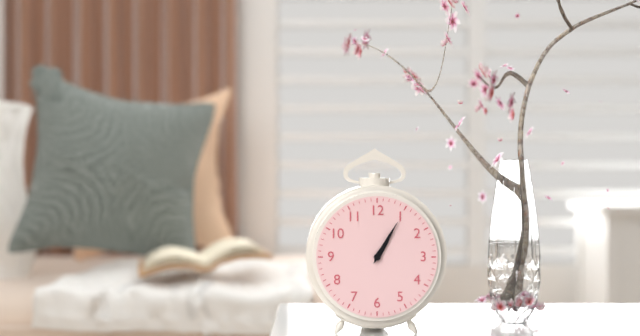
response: 1h05
